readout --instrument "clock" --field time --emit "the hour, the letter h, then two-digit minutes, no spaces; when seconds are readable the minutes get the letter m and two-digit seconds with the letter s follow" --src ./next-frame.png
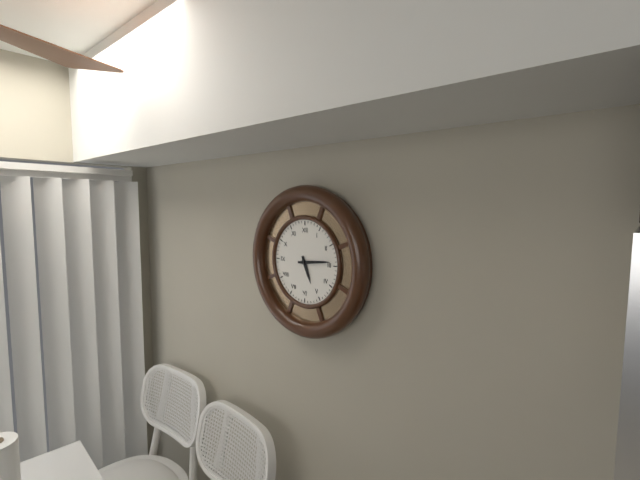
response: 5h14
